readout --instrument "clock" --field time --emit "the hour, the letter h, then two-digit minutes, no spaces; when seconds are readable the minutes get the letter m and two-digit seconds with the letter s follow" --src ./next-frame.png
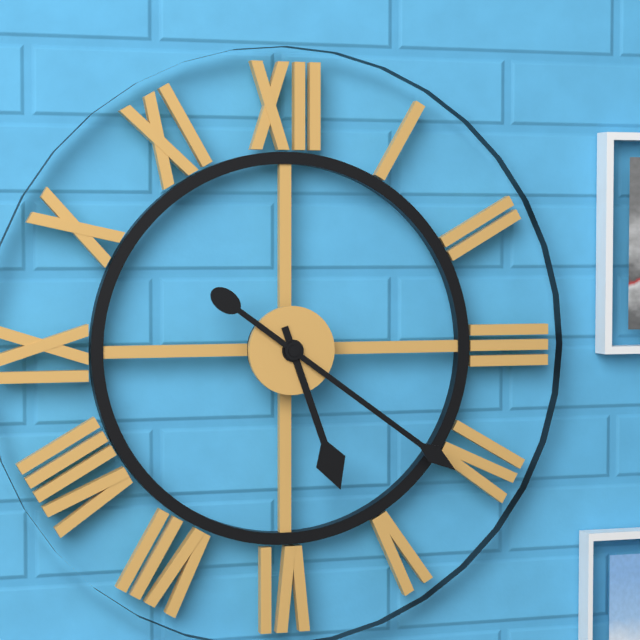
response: 5h21
